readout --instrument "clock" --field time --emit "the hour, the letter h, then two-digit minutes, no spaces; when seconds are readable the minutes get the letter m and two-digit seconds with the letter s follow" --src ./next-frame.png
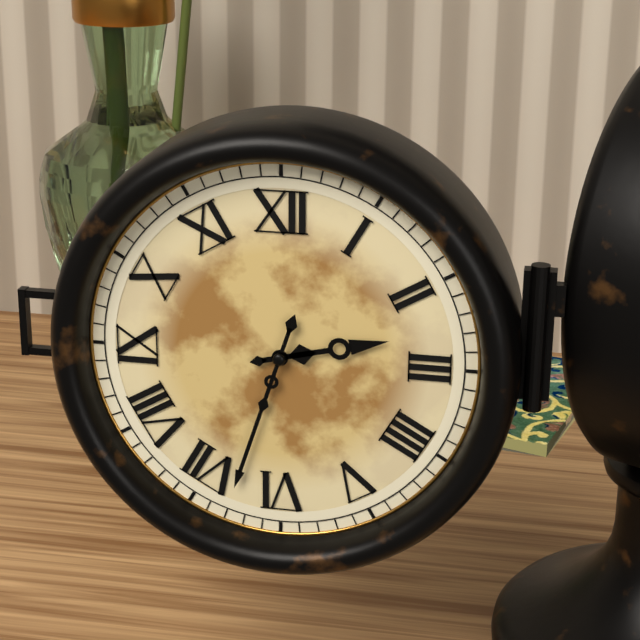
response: 2h33
